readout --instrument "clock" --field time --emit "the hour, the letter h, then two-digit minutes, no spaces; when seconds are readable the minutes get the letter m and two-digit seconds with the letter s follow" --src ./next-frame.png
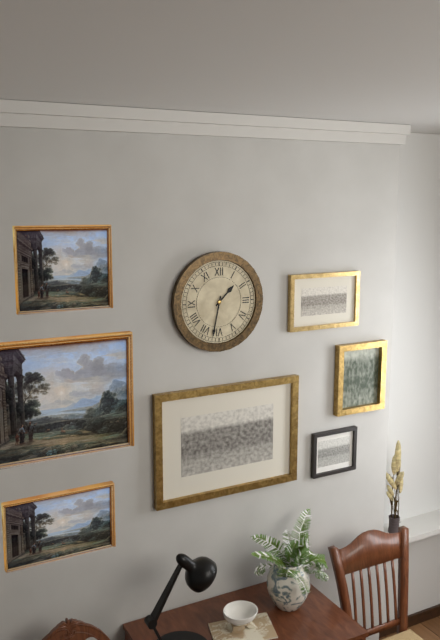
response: 1h32
